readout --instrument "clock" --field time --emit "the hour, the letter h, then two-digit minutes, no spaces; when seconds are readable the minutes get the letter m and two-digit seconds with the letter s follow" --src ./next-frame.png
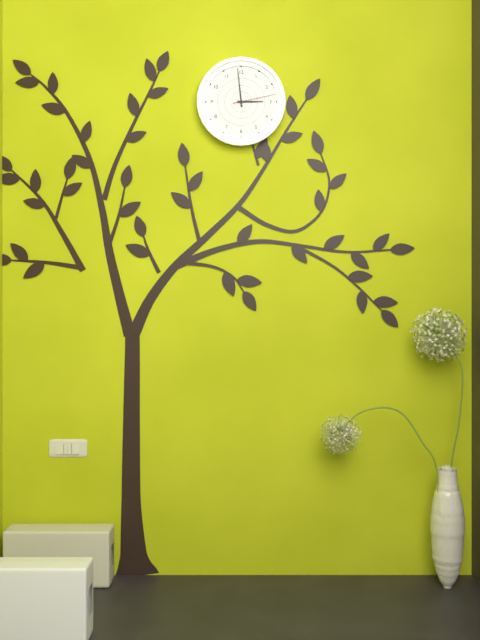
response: 2h59
